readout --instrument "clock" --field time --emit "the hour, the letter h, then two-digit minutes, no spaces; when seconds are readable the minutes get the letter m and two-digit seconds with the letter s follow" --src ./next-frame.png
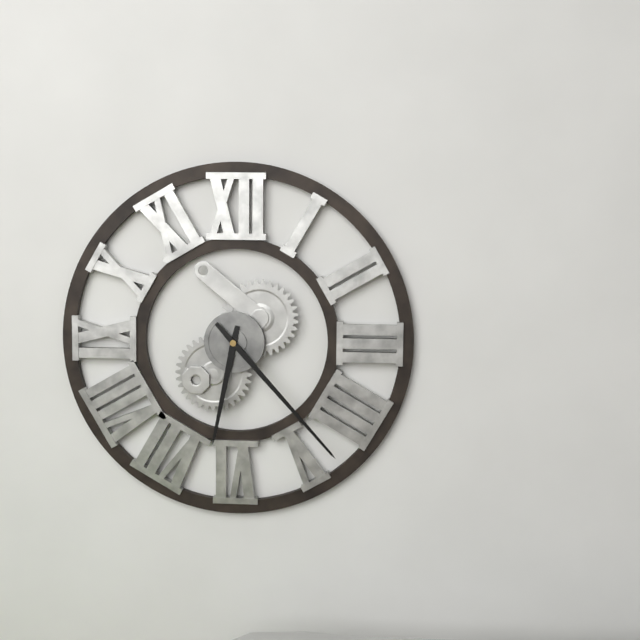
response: 6h23
